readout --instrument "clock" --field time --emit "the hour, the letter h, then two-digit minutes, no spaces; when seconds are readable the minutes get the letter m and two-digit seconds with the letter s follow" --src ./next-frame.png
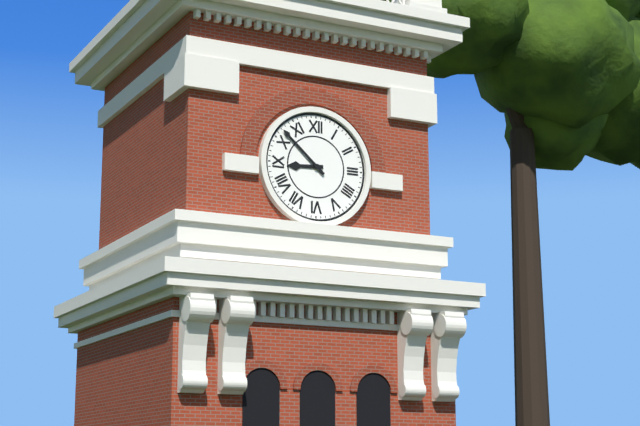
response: 8h52
